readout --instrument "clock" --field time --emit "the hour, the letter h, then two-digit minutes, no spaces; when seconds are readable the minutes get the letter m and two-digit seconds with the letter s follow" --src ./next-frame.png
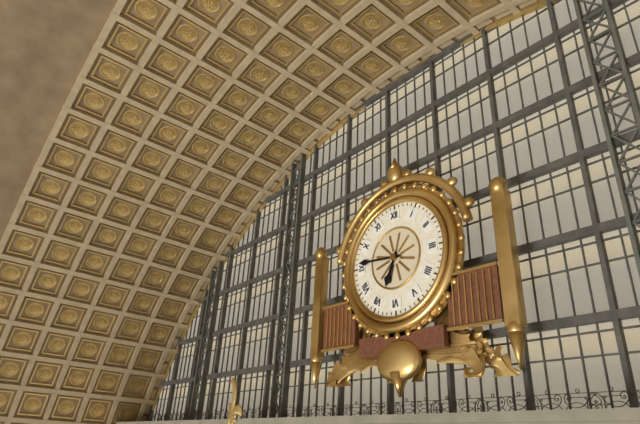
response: 6h46
